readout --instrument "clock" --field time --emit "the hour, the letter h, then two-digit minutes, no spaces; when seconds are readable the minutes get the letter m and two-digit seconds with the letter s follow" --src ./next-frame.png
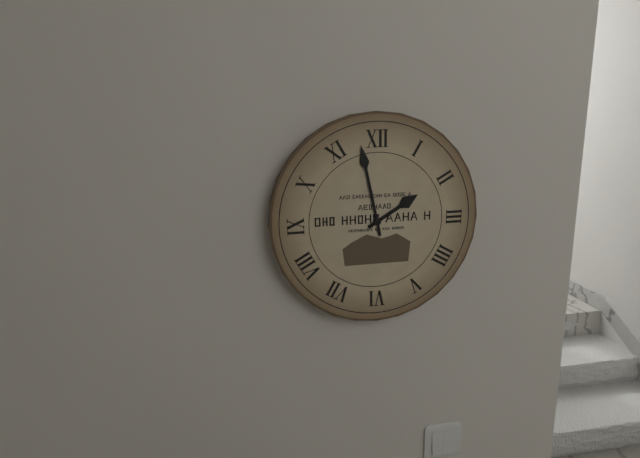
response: 1h58
